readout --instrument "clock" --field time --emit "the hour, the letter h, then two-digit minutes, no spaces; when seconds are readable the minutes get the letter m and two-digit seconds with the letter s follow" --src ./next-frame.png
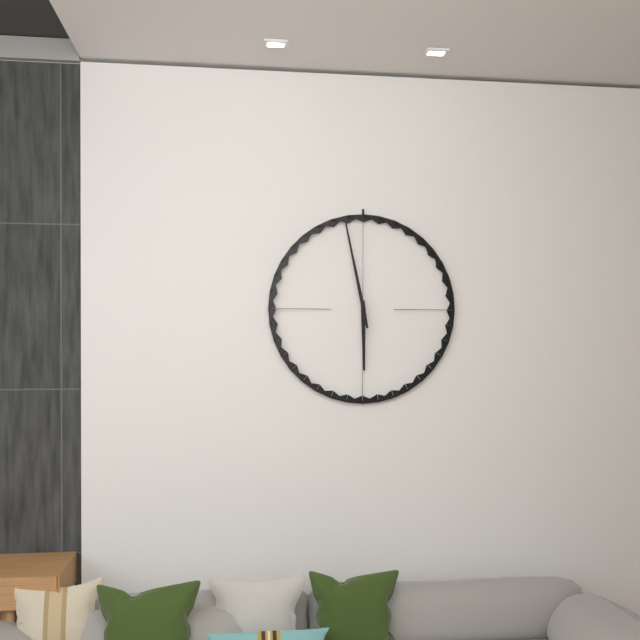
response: 5h58
